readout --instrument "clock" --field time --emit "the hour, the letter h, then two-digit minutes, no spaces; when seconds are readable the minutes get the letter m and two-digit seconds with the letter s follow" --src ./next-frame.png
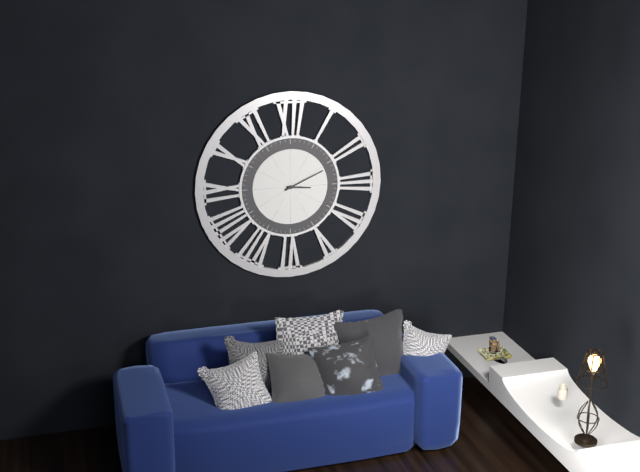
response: 3h11
